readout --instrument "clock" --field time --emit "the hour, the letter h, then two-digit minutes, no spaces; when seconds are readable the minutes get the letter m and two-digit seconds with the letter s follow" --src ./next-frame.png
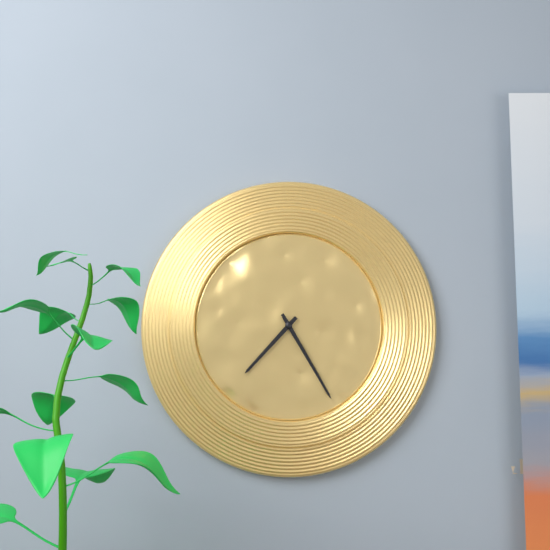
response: 7h25
